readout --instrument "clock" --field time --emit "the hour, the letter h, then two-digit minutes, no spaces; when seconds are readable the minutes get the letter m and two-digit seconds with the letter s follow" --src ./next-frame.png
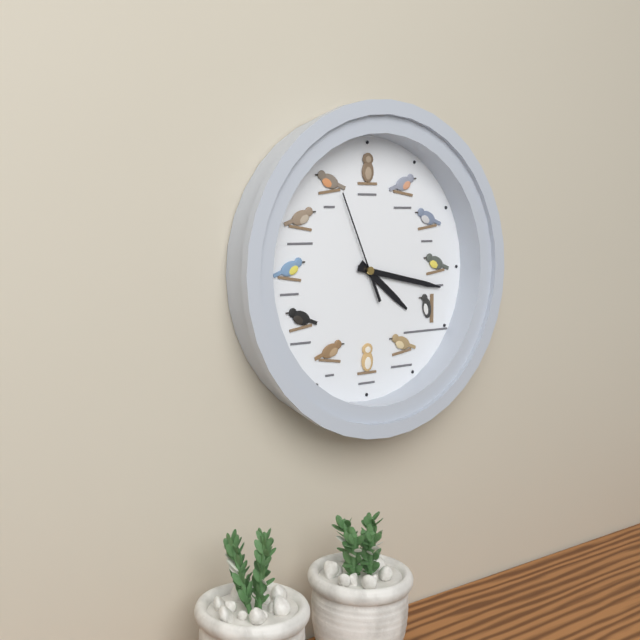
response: 4h17m56s
